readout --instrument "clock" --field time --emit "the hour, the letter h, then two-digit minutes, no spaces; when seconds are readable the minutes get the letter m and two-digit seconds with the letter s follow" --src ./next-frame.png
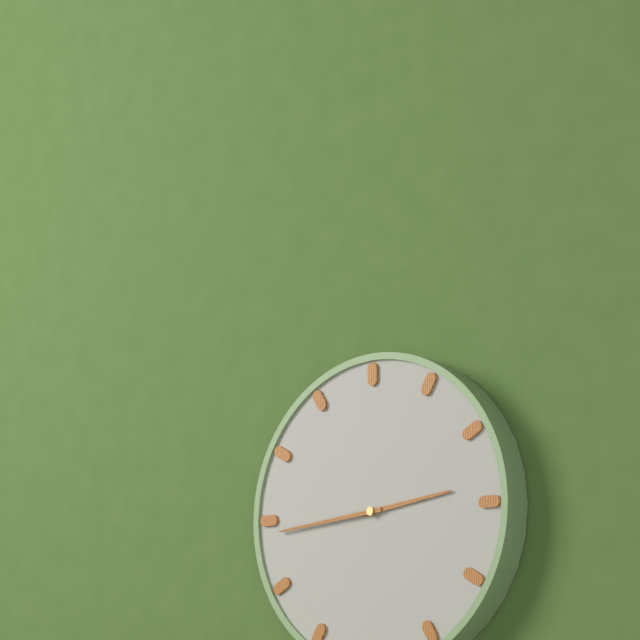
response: 2h44
